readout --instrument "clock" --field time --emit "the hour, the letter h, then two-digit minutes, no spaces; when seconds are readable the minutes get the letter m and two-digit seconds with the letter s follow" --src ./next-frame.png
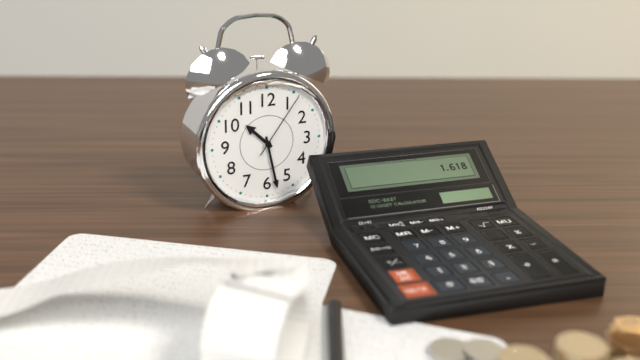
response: 10h28m06s
